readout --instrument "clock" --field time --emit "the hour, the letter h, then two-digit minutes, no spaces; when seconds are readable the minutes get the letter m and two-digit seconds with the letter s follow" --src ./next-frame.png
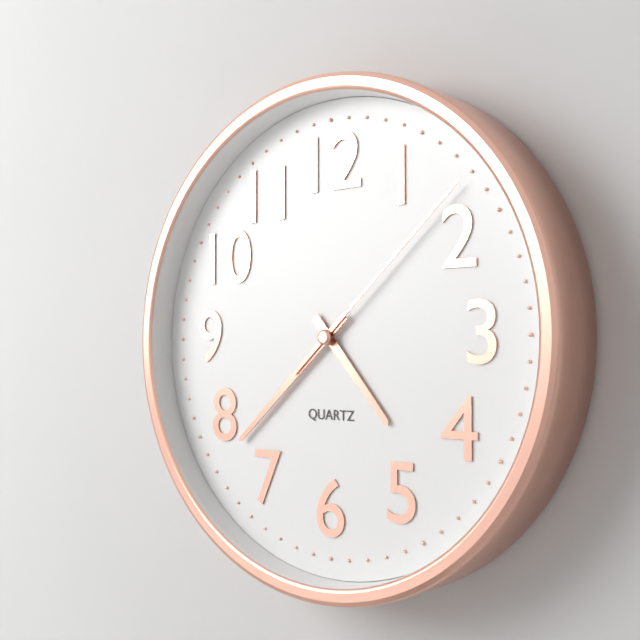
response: 4h38m08s
